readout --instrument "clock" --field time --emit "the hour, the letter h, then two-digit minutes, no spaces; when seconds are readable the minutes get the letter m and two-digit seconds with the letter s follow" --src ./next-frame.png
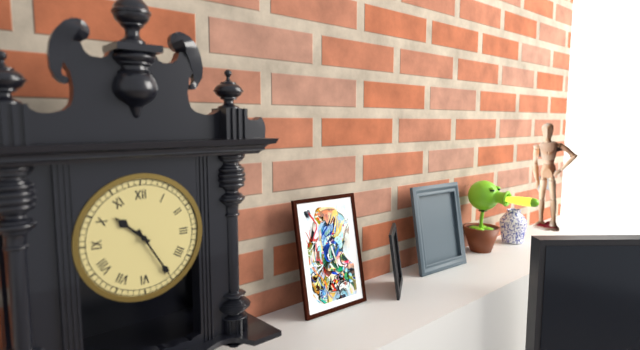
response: 10h25
